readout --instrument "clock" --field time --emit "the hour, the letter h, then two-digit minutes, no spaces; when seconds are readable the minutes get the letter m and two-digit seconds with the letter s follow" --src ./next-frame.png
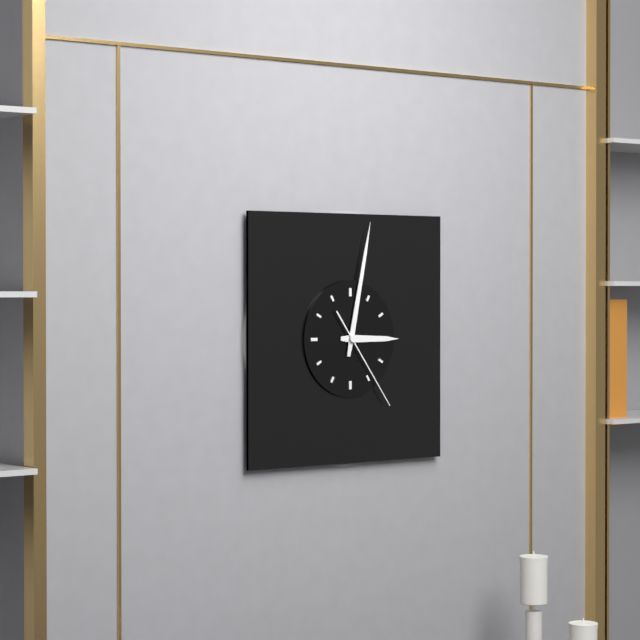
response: 3h02m24s
